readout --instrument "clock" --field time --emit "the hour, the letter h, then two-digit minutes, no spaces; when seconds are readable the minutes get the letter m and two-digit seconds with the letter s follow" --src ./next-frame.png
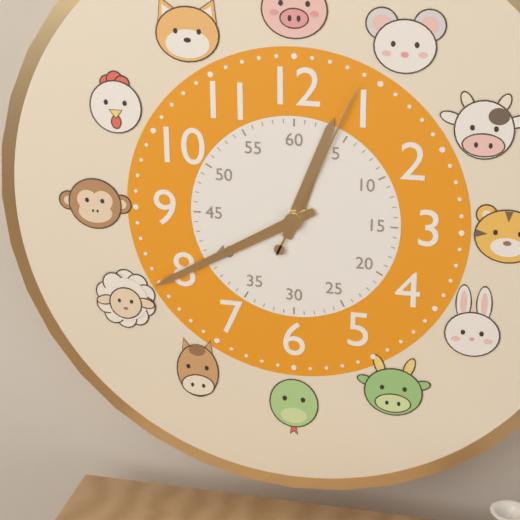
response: 12h40m04s
